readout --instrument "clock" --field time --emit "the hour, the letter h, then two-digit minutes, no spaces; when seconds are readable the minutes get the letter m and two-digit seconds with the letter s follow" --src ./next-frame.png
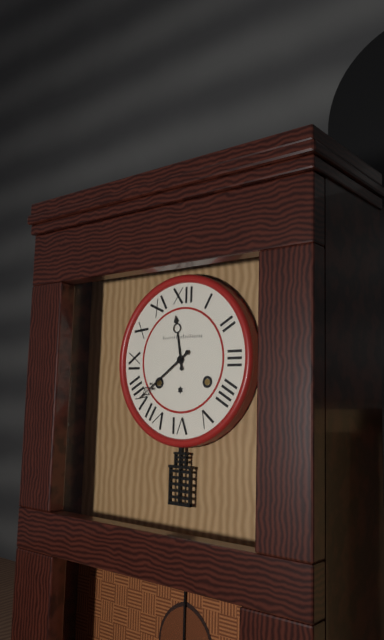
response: 11h39
